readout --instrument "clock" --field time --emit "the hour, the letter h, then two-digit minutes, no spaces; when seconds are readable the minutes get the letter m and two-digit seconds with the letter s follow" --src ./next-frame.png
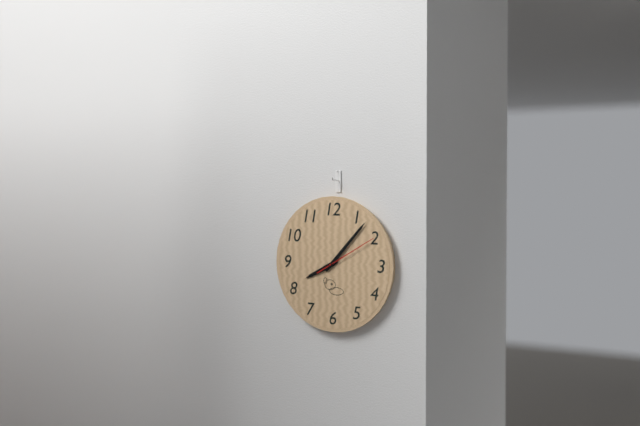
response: 8h07m10s
